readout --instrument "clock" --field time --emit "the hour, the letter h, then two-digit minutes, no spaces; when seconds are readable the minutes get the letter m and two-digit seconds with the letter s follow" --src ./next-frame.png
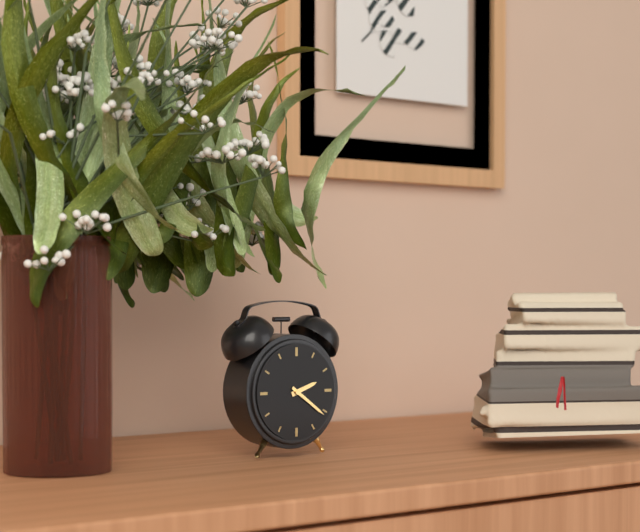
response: 2h21
